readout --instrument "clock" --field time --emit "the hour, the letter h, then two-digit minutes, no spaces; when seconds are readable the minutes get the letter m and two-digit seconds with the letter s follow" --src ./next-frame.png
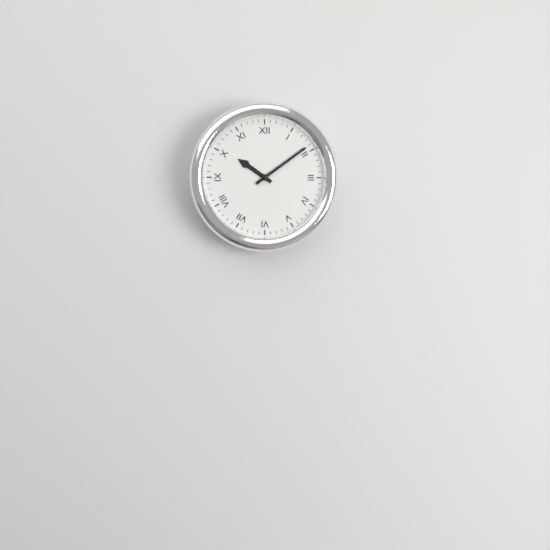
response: 10h09
